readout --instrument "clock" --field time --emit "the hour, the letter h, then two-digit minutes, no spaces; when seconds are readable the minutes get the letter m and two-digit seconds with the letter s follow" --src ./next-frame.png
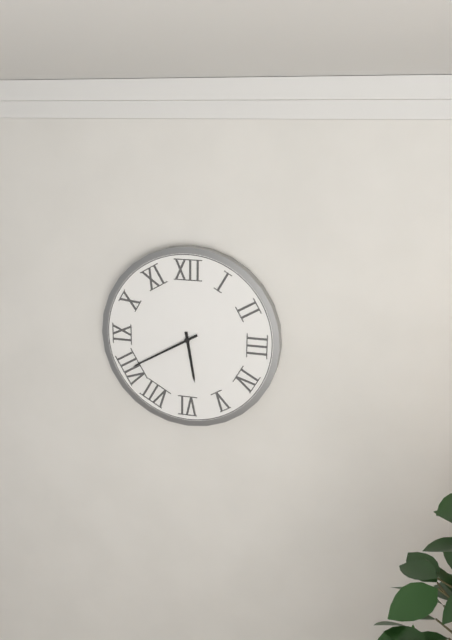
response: 5h40
